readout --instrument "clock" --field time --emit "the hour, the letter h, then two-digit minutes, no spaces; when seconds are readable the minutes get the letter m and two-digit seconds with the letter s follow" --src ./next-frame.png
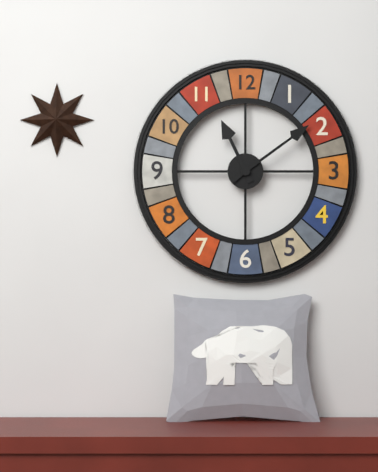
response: 11h09
